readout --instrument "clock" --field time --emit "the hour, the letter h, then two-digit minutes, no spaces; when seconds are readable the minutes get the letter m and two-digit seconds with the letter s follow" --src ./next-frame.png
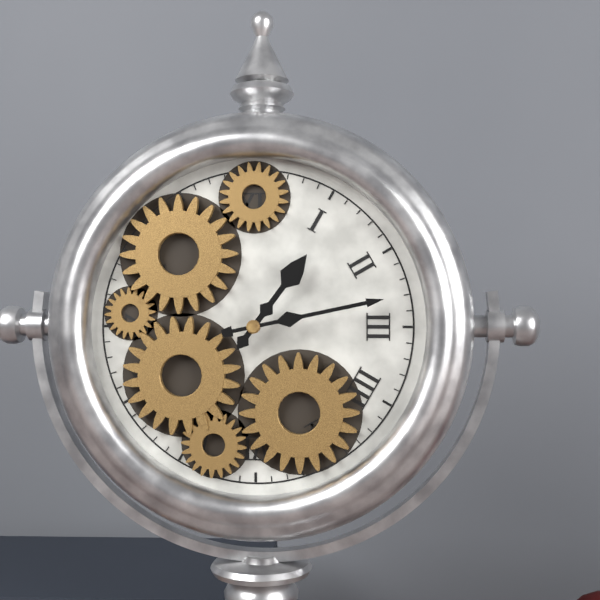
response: 1h13
